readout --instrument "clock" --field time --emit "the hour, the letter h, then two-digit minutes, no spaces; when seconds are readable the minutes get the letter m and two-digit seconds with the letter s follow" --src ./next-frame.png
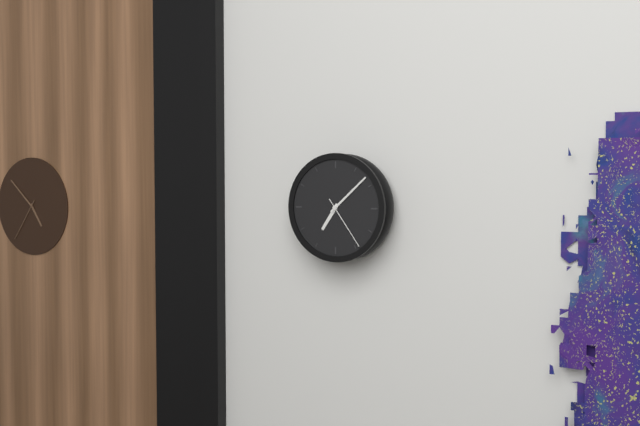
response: 7h08m24s
